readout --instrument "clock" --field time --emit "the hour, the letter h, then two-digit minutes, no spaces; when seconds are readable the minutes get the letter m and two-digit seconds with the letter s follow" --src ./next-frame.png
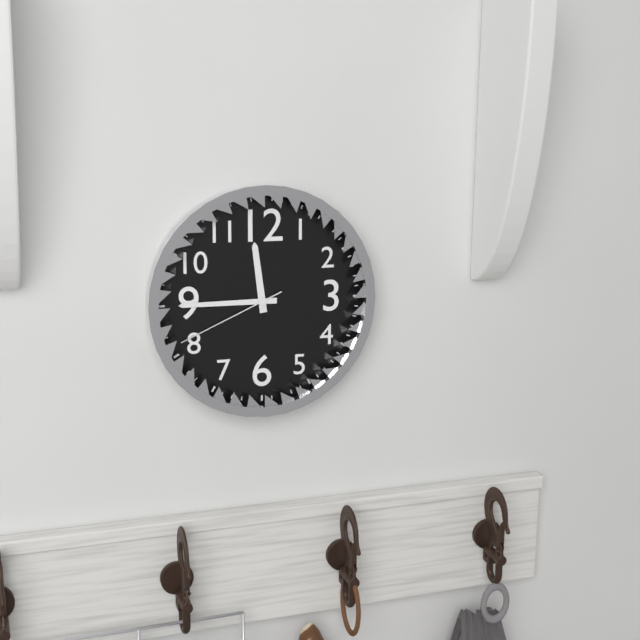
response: 11h45m41s
